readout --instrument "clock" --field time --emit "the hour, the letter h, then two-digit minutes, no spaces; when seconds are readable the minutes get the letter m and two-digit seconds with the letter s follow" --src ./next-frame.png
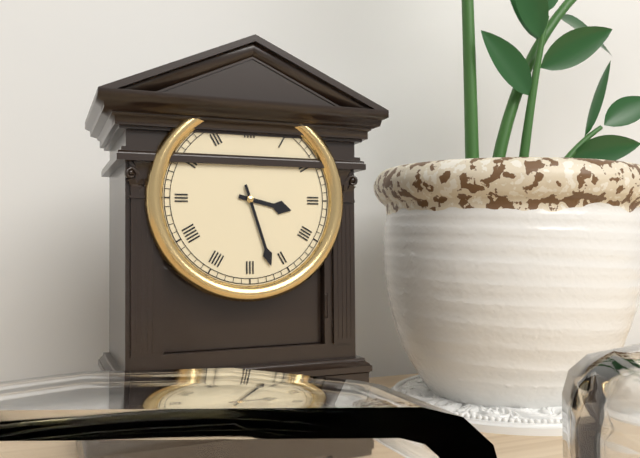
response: 3h27
